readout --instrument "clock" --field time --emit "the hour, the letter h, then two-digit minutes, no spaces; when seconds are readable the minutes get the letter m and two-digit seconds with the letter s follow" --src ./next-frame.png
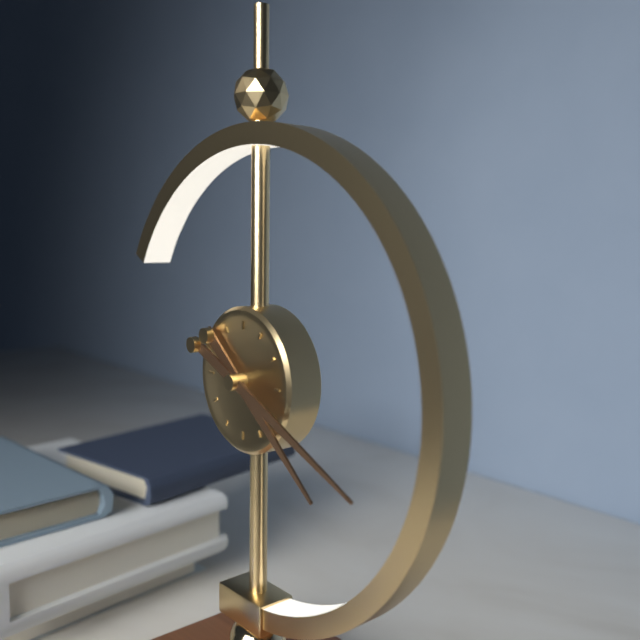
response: 4h19
